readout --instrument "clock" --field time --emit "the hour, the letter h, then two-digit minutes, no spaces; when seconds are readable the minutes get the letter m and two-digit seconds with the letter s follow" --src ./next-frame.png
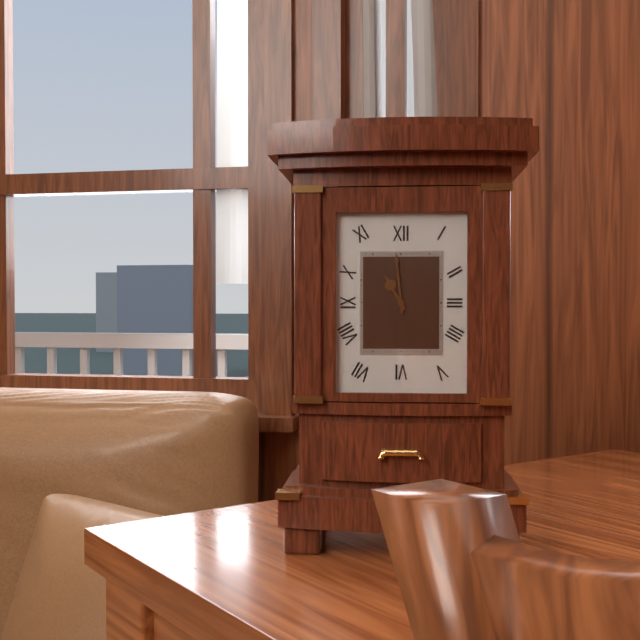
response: 10h59
